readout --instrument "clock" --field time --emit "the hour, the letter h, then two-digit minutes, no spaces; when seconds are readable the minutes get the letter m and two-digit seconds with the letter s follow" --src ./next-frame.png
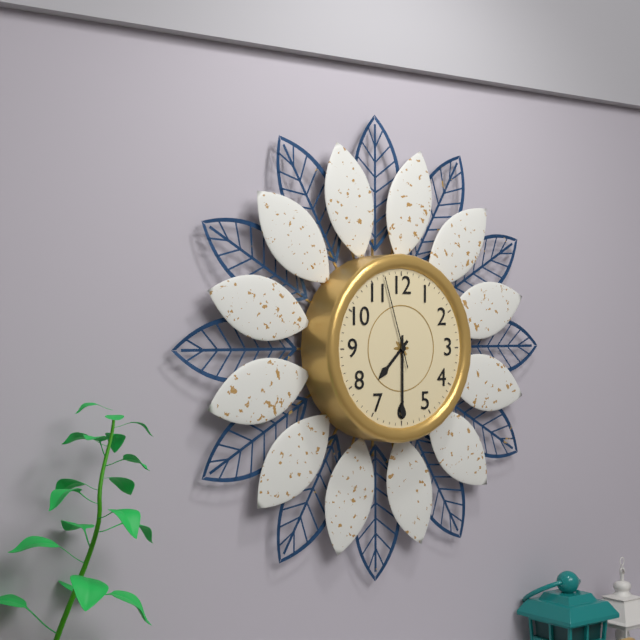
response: 7h30m57s
